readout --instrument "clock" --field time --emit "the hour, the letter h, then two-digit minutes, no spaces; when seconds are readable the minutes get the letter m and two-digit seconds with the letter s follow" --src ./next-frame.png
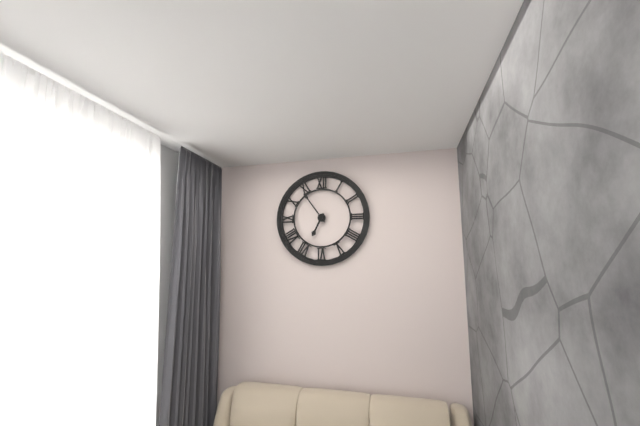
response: 6h54
